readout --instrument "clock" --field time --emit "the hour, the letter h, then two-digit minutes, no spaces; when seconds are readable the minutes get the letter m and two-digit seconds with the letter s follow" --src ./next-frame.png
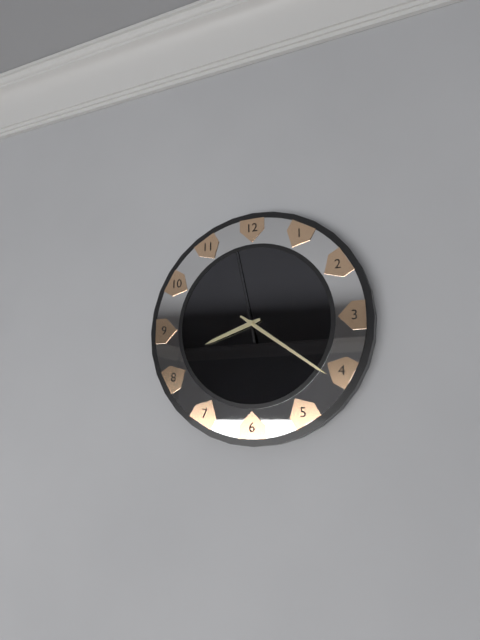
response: 8h21m58s
